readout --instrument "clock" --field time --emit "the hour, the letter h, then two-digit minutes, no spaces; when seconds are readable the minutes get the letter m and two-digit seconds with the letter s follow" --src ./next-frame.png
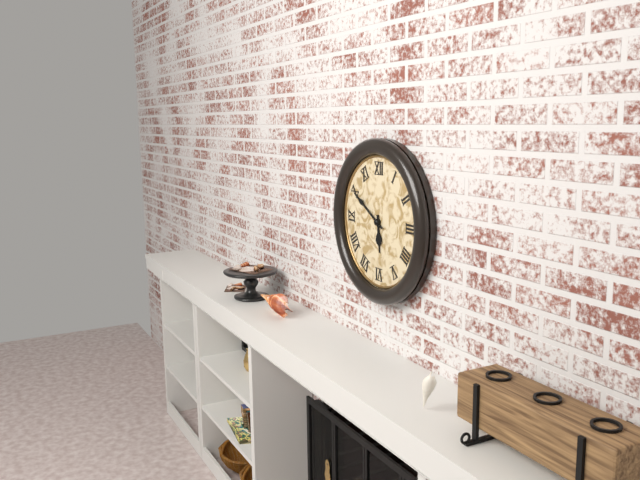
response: 5h50
